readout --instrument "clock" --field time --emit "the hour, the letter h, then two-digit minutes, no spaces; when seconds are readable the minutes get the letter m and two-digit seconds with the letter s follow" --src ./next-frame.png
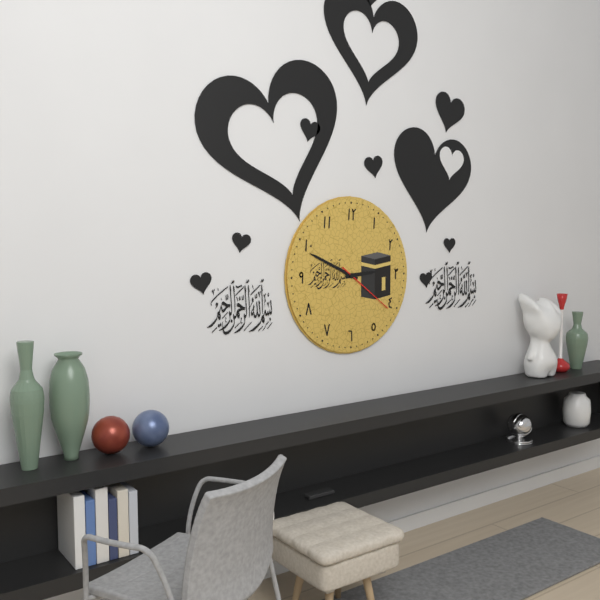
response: 2h49m21s
